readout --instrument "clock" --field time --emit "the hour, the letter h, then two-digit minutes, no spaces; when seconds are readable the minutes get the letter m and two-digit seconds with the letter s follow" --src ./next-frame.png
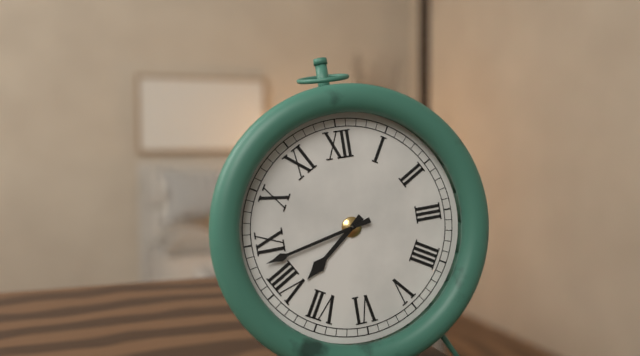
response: 7h43
